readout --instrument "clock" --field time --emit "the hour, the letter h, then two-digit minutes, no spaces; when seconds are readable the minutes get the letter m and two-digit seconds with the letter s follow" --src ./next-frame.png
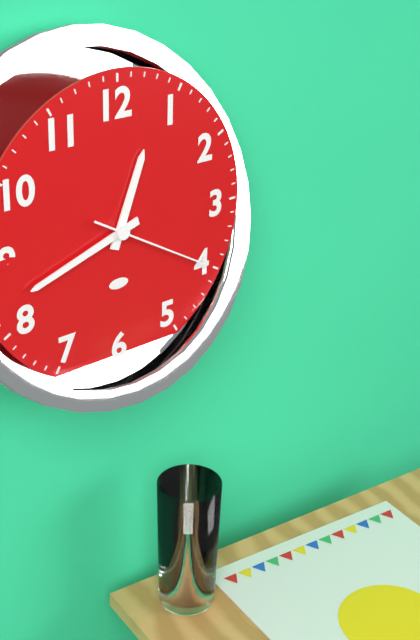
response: 12h42m20s
